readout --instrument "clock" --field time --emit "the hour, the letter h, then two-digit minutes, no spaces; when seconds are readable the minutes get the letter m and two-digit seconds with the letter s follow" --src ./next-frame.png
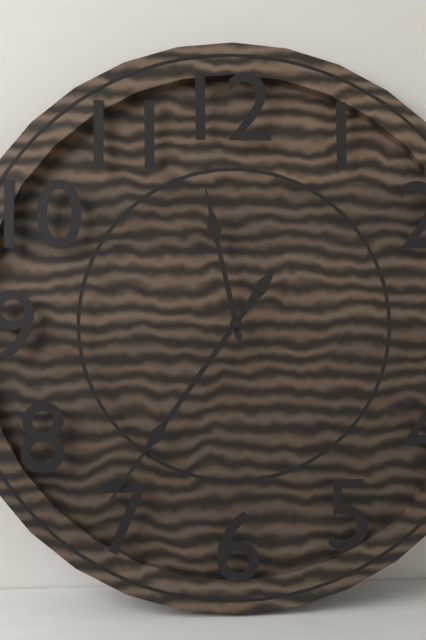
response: 11h36
